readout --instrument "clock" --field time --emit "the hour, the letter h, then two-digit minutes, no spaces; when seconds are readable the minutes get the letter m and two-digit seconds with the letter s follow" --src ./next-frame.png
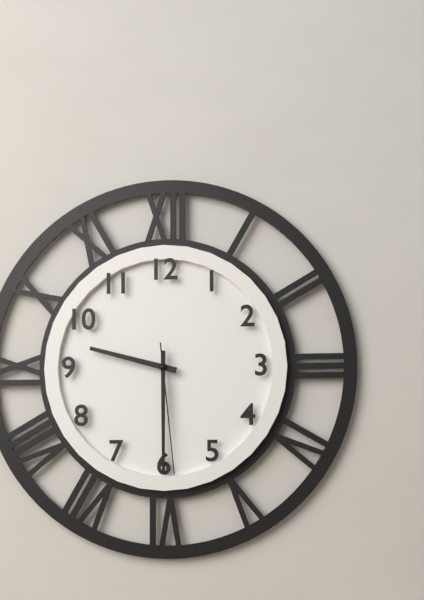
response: 9h30m29s
